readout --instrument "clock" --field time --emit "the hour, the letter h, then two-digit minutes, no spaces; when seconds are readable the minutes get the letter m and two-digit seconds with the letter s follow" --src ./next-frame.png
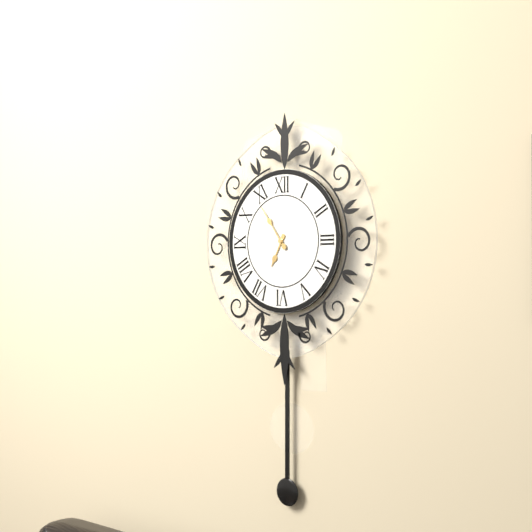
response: 6h54
